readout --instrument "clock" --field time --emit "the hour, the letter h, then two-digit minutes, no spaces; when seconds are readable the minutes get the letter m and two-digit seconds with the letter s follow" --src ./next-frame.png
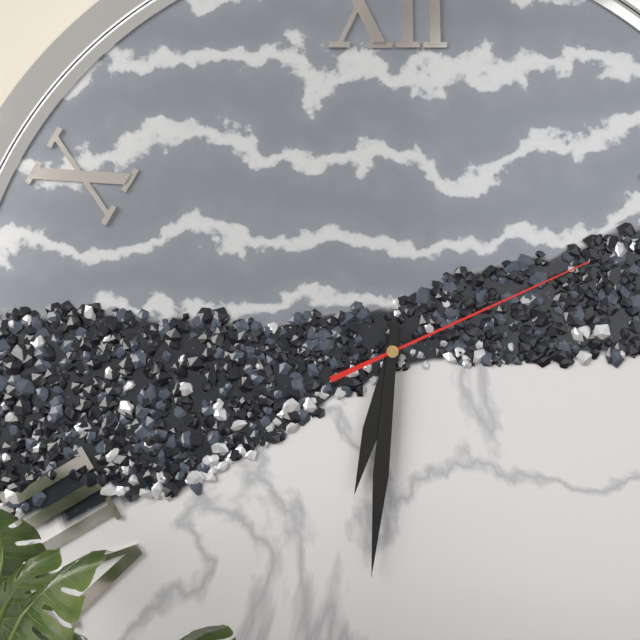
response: 6h31m11s
